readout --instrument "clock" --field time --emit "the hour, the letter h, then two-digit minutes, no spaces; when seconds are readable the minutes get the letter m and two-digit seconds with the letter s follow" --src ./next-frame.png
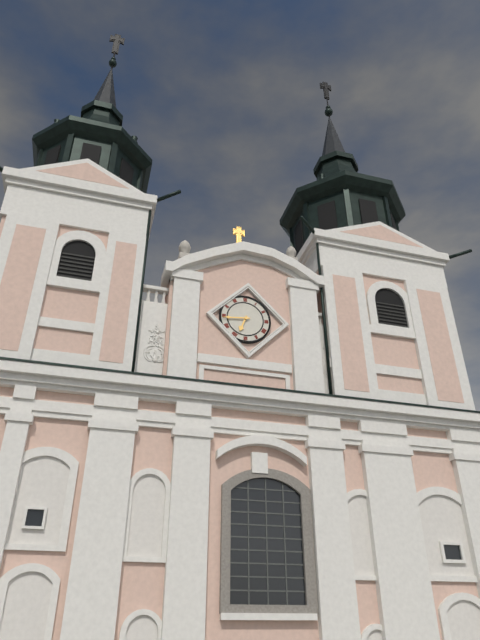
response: 6h44
